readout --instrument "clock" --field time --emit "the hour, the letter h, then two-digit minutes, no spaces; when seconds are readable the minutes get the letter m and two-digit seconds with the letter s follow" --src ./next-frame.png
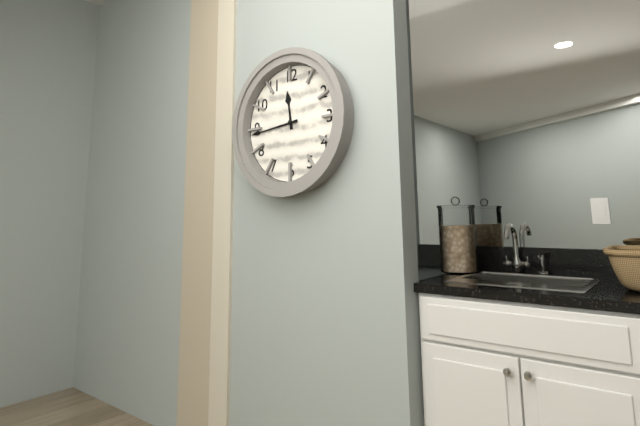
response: 11h44
